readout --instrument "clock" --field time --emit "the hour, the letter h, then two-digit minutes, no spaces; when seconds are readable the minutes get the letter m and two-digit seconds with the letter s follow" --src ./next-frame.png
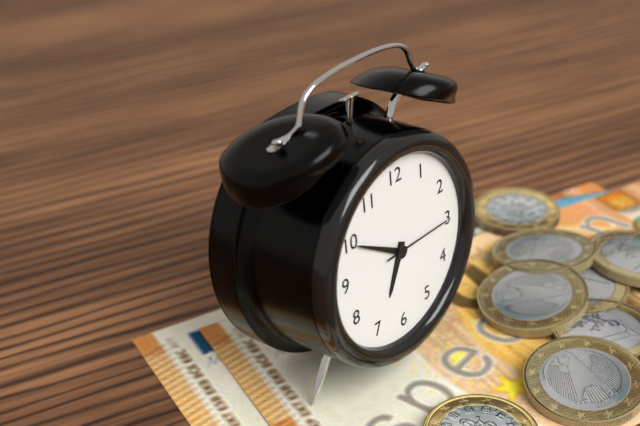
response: 6h50m15s
